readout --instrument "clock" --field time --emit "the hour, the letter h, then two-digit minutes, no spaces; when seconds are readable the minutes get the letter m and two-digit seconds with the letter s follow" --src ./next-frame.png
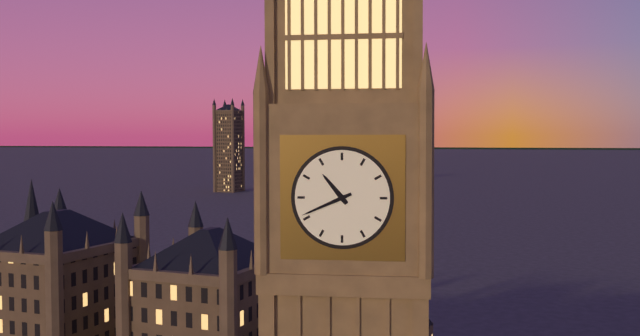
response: 10h41
